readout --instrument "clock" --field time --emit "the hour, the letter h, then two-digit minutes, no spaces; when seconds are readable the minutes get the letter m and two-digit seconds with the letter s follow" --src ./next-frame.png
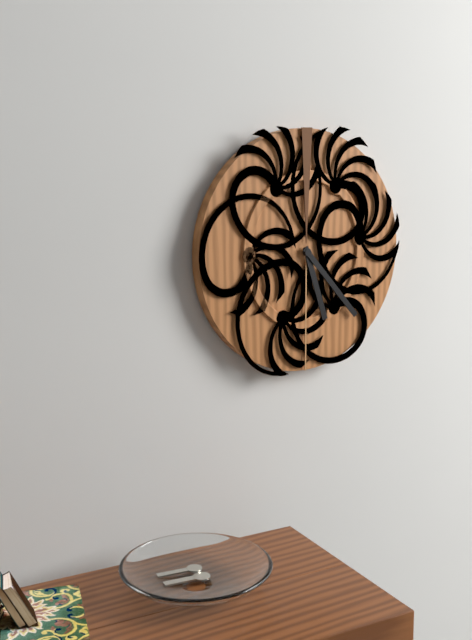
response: 5h23
